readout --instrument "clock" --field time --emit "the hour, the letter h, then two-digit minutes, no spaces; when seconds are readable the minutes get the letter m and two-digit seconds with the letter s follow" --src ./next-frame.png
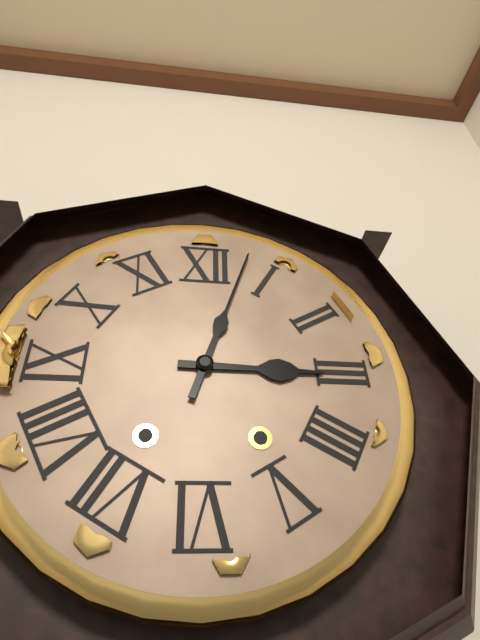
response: 3h03
